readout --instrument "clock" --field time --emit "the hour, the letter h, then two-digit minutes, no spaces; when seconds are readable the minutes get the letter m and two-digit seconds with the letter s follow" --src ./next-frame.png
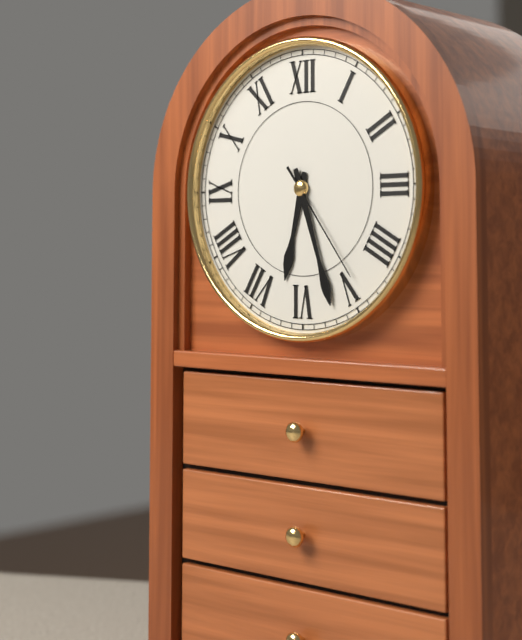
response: 6h27m24s
